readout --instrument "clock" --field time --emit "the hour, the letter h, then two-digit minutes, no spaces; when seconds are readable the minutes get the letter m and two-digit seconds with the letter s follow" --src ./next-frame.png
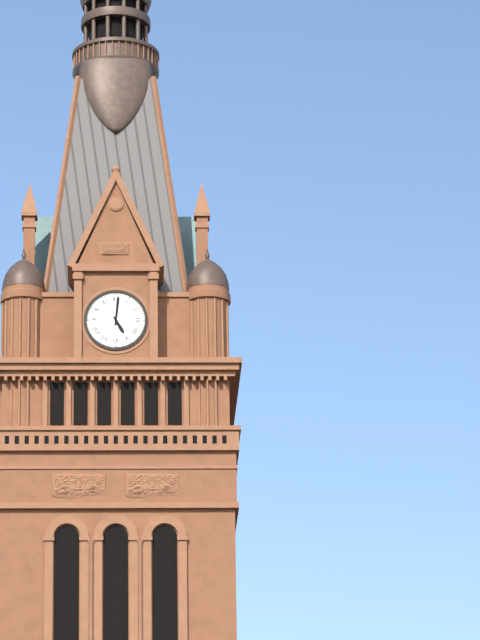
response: 5h01
